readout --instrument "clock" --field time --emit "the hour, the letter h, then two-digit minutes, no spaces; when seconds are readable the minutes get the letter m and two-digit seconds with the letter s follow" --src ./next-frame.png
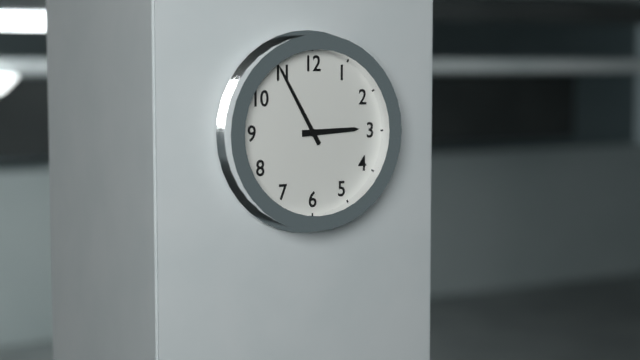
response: 2h55
